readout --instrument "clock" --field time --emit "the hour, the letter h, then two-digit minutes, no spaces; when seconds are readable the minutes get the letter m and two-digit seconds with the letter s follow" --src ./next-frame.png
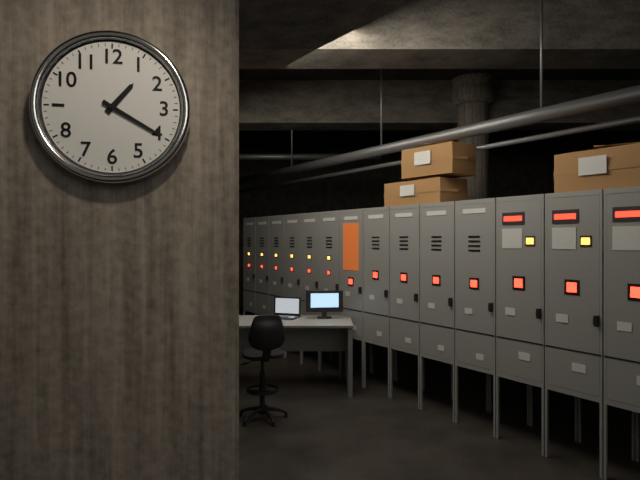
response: 1h20
